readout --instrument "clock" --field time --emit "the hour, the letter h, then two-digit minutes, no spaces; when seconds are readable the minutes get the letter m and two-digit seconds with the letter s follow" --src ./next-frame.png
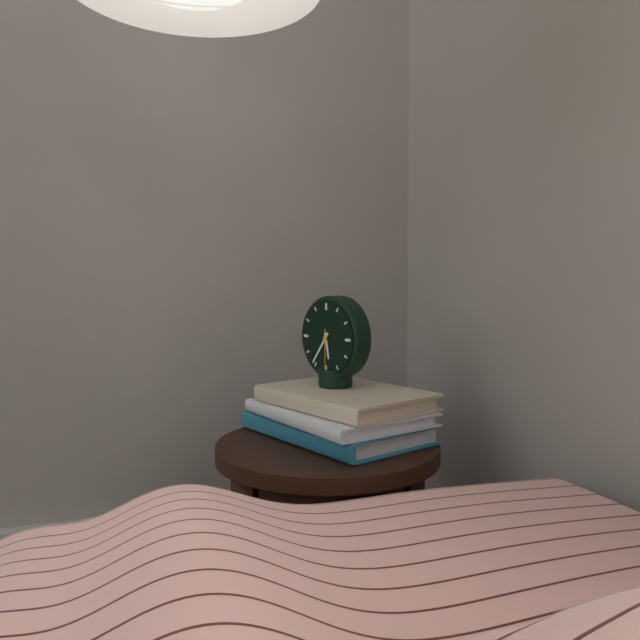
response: 5h36
